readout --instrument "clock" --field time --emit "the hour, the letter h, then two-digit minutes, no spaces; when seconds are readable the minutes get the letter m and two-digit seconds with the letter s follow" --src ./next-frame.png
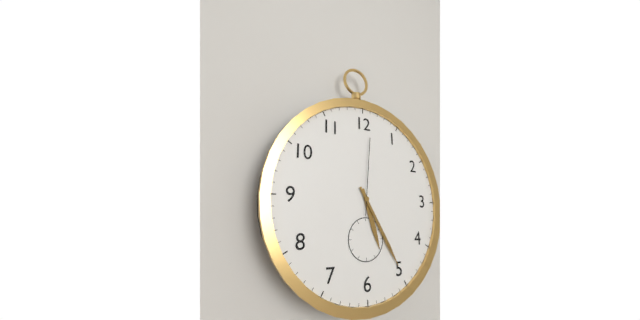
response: 5h25m01s
